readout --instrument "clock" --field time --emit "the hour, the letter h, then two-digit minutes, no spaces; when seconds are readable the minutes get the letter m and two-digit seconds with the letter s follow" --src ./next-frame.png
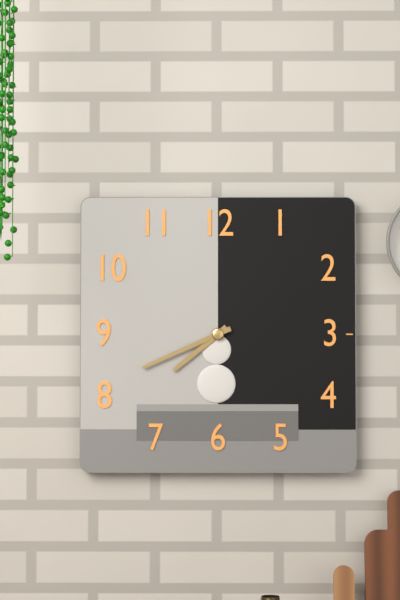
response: 7h41
